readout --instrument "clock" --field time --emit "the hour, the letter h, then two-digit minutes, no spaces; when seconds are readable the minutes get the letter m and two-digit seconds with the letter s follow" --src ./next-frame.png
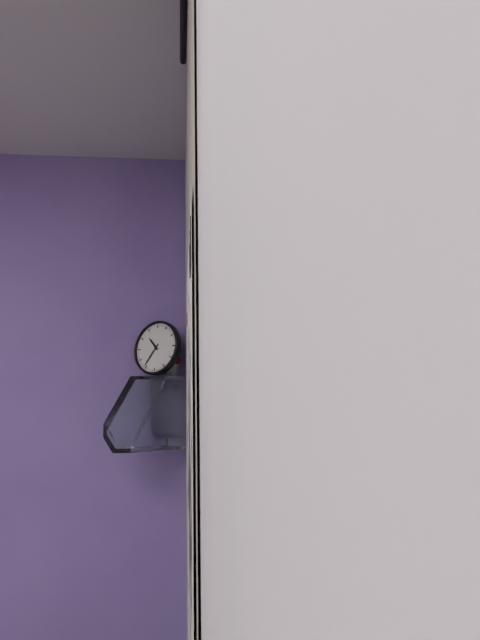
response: 10h36
